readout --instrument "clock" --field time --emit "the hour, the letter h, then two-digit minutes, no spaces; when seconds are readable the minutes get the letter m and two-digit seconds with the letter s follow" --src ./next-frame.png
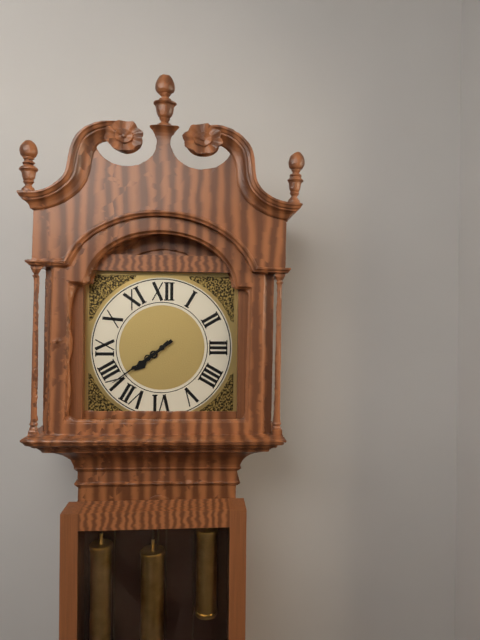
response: 7h39
